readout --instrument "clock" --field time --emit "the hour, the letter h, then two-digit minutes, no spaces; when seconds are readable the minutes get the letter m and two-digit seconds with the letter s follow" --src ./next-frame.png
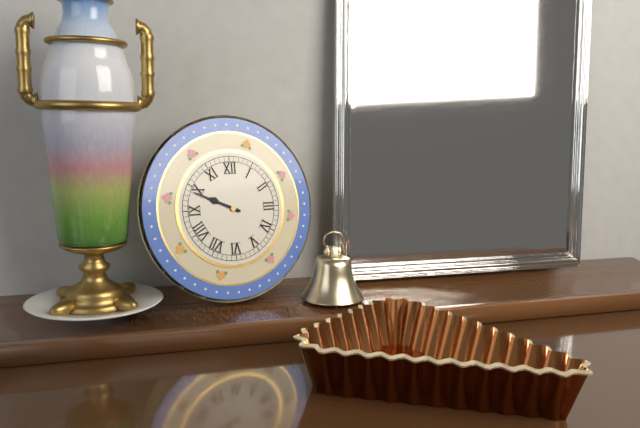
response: 9h49
